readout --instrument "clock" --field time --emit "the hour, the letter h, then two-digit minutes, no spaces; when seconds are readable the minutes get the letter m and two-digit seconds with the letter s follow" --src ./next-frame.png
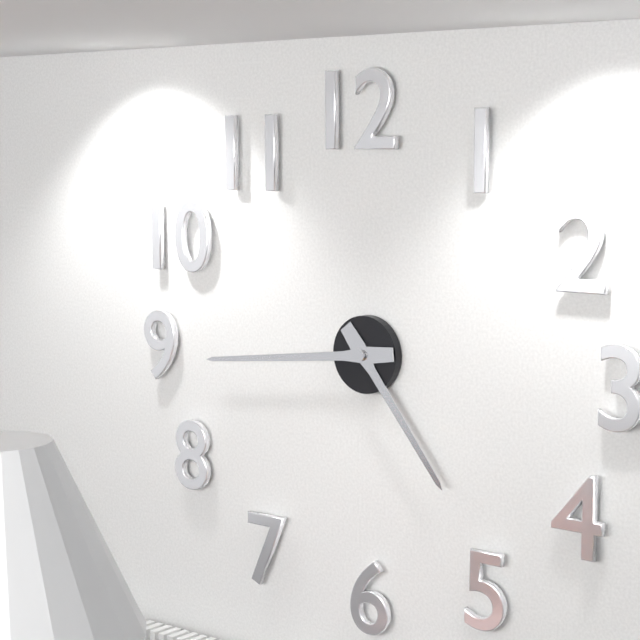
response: 4h44
